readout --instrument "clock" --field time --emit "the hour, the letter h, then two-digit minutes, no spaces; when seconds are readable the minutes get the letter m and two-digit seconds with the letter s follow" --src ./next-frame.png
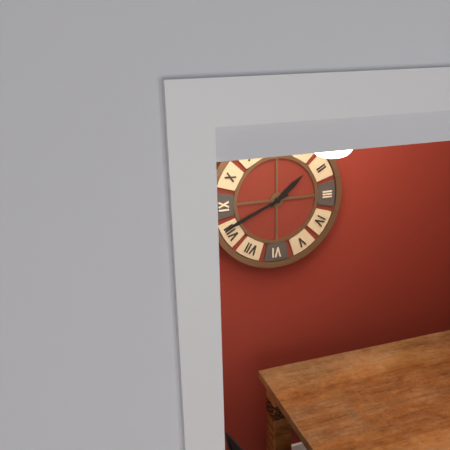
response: 1h41
